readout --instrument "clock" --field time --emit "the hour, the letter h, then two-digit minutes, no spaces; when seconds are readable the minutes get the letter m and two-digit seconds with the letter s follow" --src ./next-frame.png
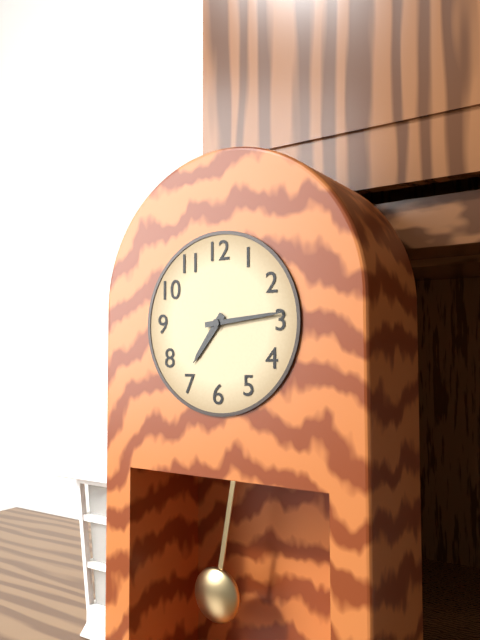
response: 7h14
